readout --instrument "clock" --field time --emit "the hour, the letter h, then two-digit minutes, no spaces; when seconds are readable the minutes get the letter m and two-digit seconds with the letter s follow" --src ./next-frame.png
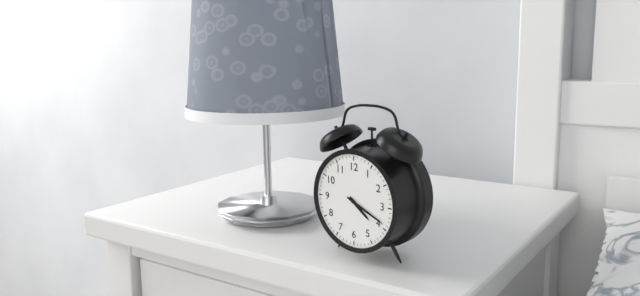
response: 4h19
